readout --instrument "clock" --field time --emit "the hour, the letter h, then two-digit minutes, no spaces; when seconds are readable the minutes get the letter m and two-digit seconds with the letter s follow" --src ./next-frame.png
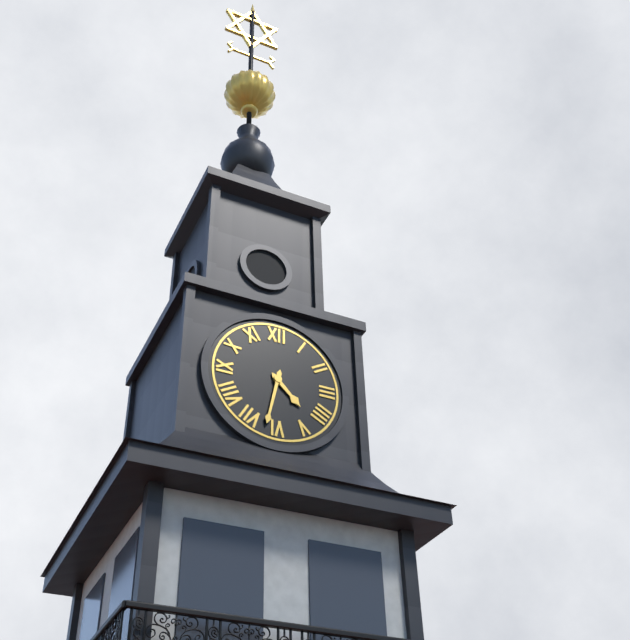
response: 4h32
